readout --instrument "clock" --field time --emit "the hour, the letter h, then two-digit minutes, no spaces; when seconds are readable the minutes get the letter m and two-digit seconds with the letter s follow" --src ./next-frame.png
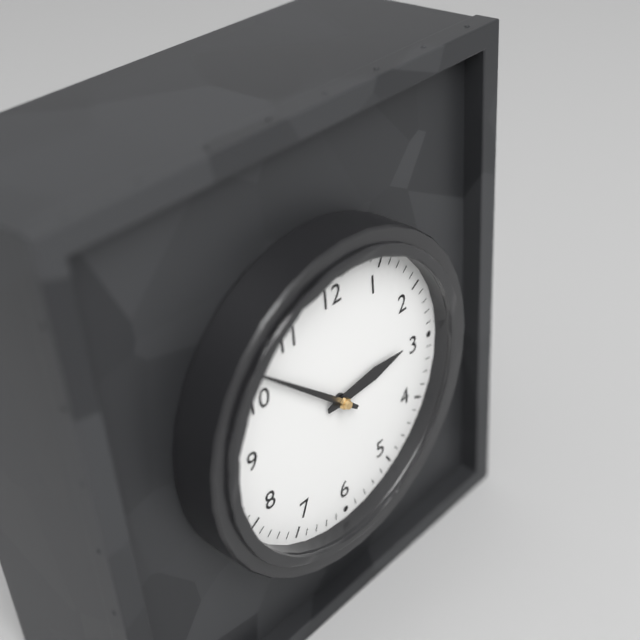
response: 2h52
